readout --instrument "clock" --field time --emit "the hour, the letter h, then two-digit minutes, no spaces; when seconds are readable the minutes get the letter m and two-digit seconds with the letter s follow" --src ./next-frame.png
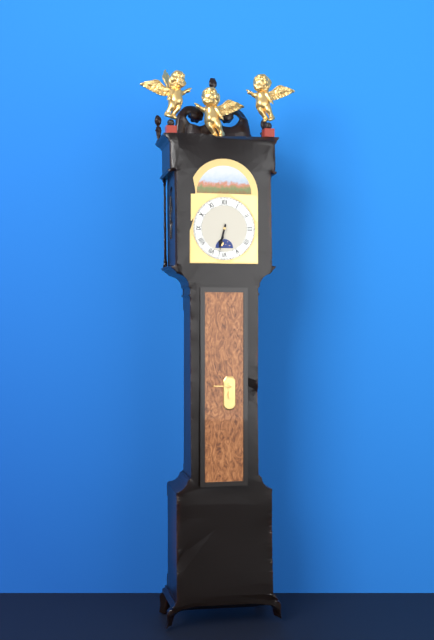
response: 6h32
